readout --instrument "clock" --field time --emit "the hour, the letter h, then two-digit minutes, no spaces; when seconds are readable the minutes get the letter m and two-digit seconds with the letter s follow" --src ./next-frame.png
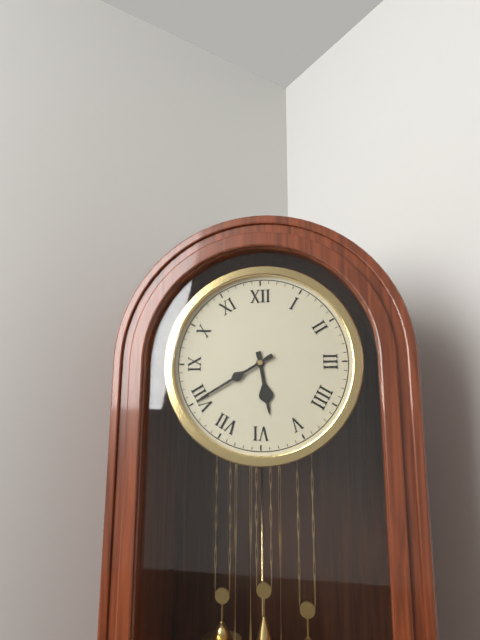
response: 5h40
